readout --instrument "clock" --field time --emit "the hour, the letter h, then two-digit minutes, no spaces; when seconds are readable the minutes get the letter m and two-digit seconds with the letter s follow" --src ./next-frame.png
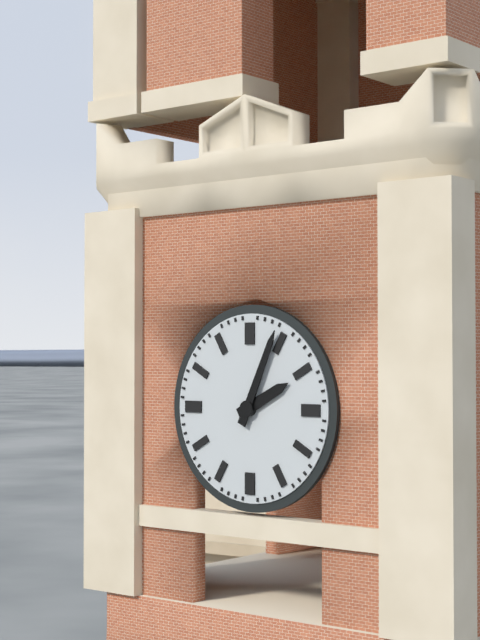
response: 2h04
